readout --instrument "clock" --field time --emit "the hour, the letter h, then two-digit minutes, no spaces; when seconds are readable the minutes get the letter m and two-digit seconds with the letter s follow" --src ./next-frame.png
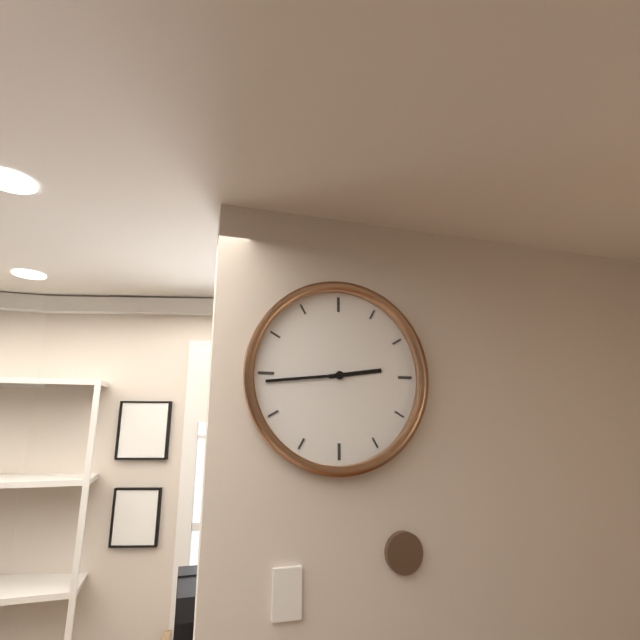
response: 2h44
